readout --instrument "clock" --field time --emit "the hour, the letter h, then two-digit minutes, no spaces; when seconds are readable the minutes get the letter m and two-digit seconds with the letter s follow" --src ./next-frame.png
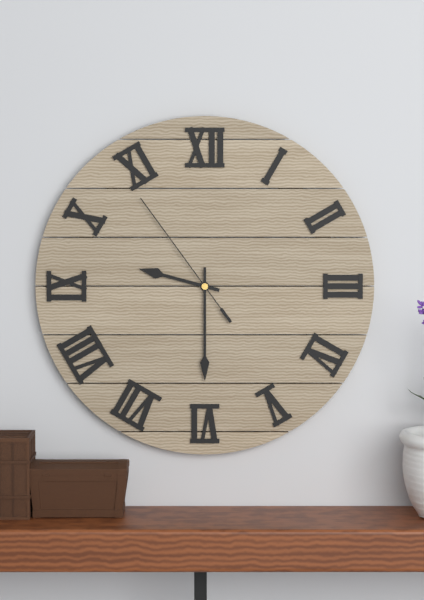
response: 9h30m54s
